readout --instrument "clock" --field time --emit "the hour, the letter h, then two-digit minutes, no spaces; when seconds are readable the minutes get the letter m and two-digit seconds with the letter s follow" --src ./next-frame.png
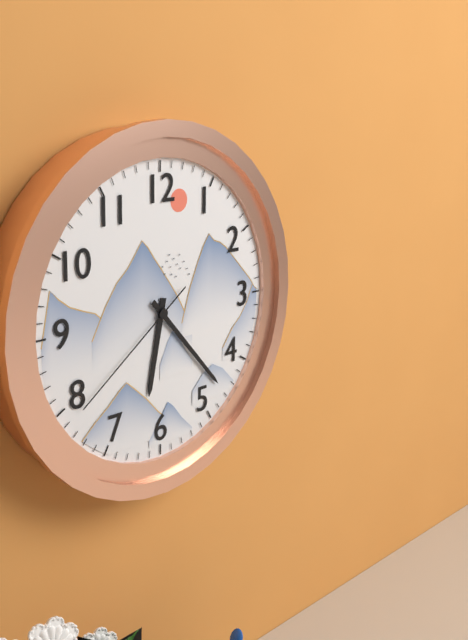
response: 6h23m39s
